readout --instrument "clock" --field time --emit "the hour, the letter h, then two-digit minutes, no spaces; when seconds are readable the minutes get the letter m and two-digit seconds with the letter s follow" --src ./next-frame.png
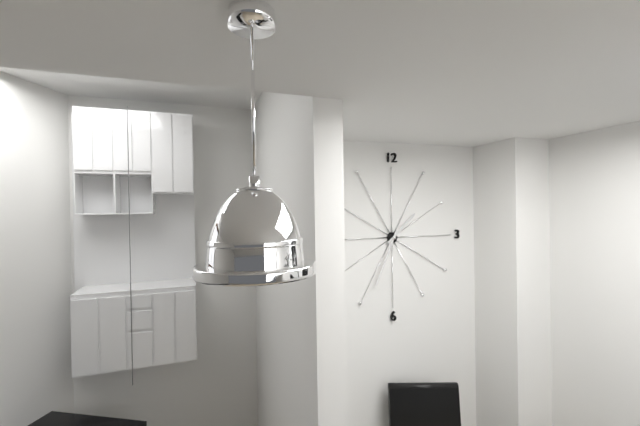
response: 1h34
